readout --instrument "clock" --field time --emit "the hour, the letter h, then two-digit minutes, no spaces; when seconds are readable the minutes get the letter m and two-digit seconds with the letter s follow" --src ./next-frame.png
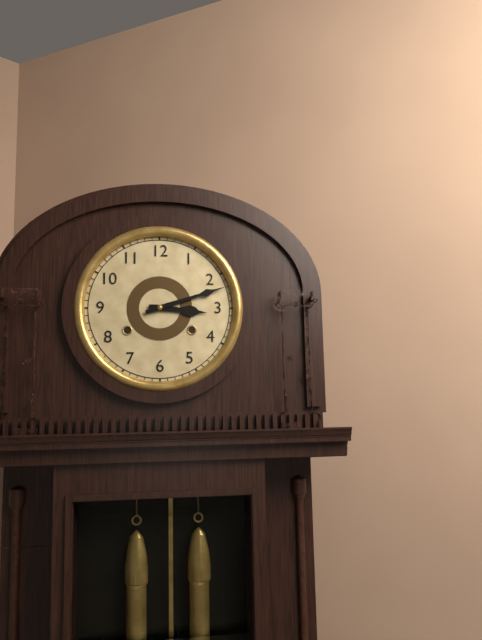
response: 3h12
